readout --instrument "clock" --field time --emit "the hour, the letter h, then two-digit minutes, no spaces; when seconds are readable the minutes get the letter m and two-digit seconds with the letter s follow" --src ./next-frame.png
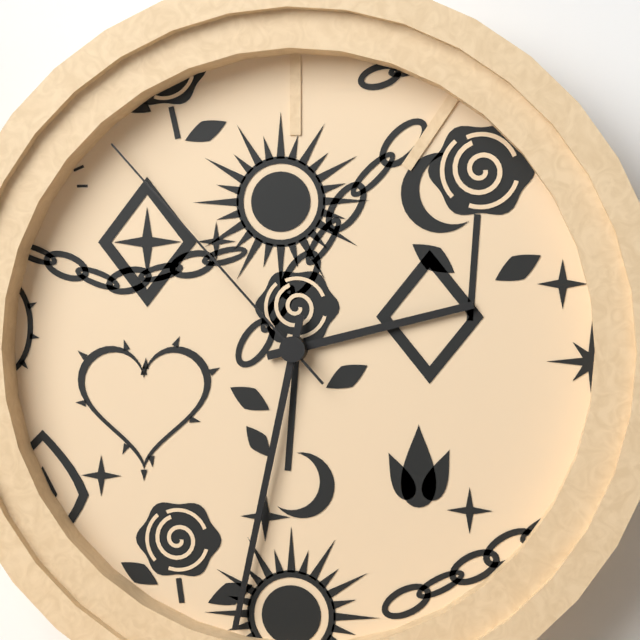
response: 2h32m53s
